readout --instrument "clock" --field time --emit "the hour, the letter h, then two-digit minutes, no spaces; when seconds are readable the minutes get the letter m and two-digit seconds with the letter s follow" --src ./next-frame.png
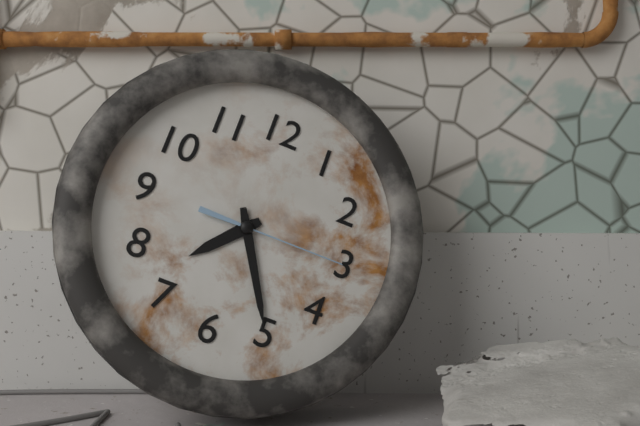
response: 7h25m15s
